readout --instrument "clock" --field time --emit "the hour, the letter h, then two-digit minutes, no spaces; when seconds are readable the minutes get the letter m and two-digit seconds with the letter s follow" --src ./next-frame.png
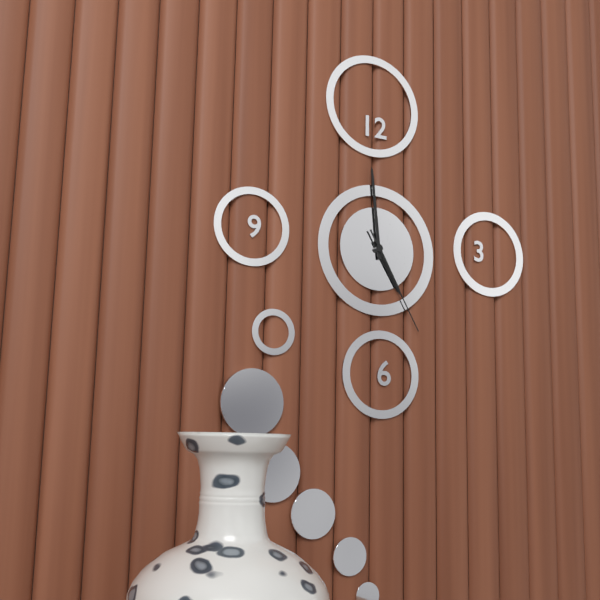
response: 4h59m25s
